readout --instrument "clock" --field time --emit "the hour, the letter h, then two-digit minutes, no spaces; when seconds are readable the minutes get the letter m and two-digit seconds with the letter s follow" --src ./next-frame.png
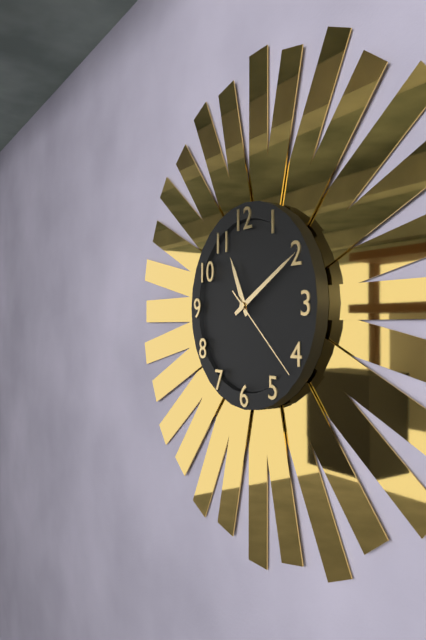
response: 11h10m22s
